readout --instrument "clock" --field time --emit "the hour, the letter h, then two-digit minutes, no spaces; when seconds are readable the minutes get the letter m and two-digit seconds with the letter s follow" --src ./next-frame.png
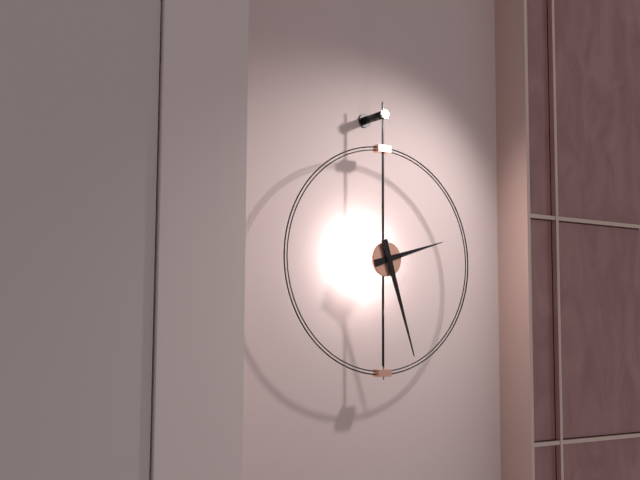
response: 2h27
